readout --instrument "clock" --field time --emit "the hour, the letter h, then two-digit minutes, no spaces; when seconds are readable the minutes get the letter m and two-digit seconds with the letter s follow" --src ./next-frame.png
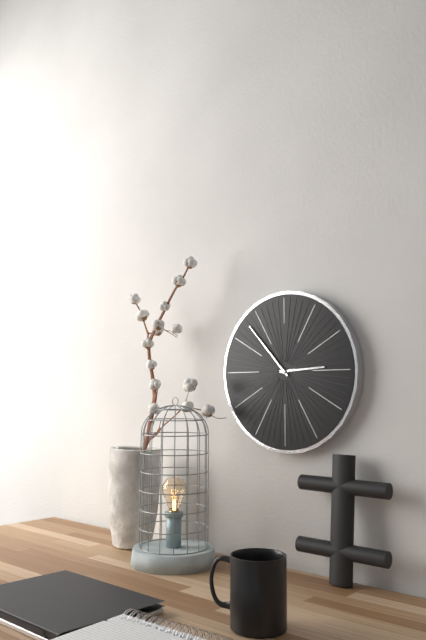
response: 2h53
